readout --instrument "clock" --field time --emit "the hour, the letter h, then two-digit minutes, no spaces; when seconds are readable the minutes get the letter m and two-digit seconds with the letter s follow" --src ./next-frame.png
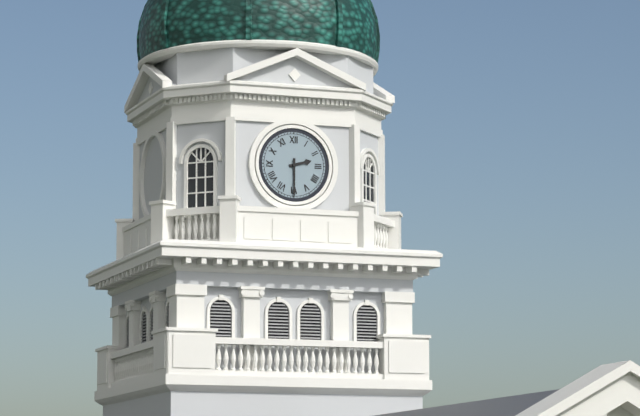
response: 2h30
